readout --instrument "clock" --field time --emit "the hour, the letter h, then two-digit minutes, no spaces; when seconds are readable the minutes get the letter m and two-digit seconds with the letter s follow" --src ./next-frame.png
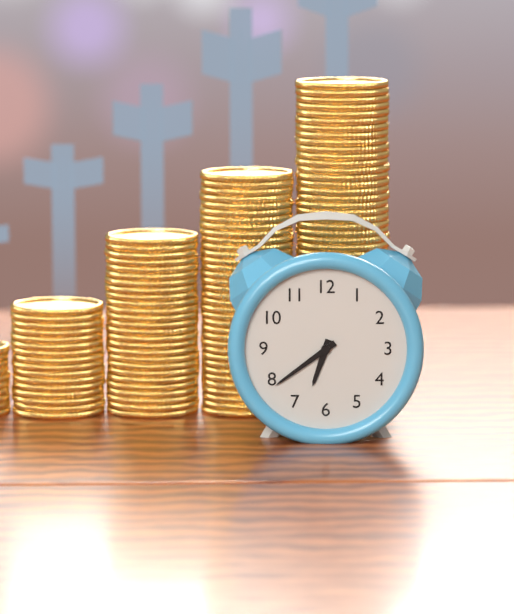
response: 6h39
